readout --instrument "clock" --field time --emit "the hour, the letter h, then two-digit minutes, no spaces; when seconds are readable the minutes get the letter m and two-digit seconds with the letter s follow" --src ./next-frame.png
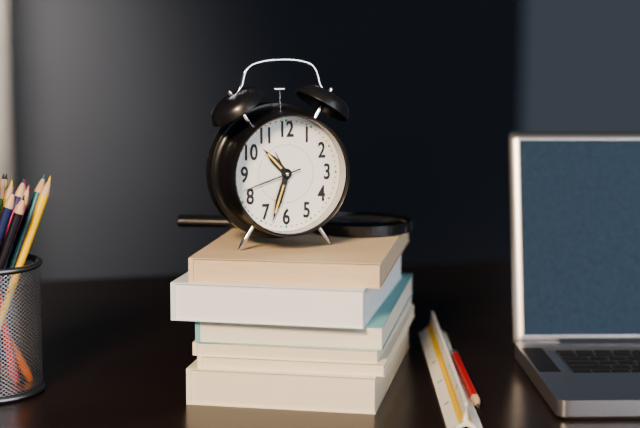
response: 10h33m42s
